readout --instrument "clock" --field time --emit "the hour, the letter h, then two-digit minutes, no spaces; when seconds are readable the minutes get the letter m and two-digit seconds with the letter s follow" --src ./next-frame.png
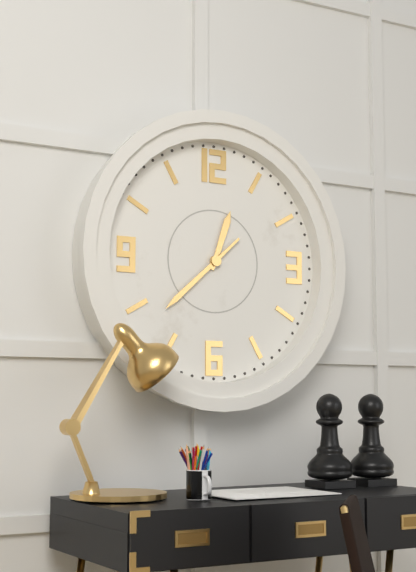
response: 12h38
